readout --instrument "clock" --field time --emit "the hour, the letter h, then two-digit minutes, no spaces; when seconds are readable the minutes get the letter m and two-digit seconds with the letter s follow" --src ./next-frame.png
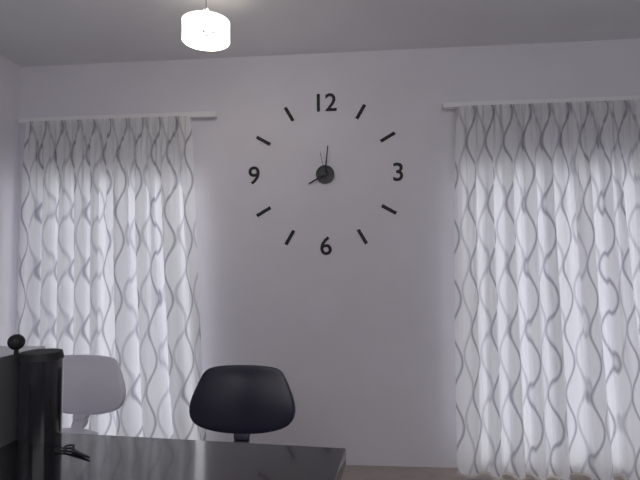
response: 8h01
